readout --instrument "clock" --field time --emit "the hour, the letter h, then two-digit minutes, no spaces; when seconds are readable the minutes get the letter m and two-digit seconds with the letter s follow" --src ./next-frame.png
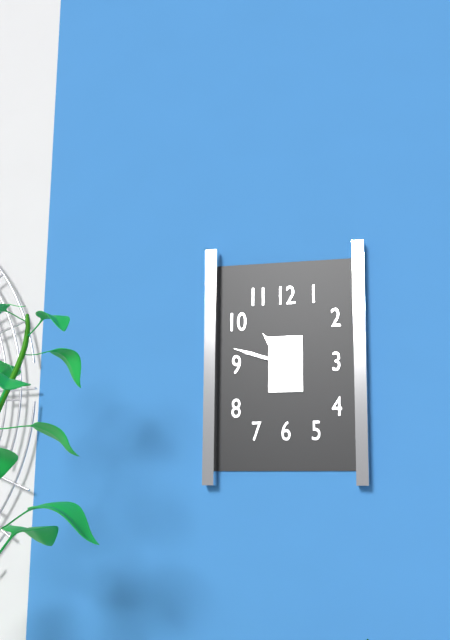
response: 10h48
